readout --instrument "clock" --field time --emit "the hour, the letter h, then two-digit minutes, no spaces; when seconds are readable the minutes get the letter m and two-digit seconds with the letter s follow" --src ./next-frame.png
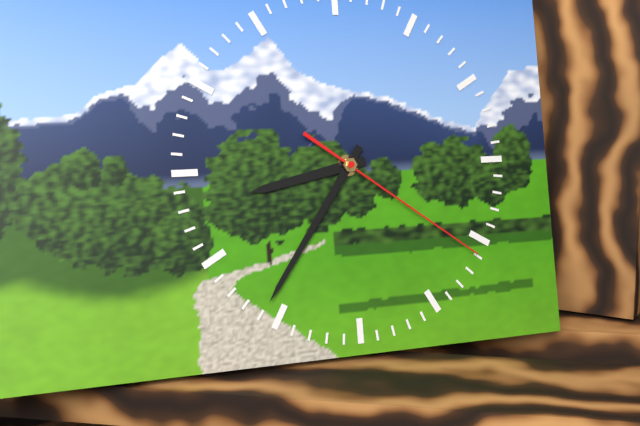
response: 8h36m21s
